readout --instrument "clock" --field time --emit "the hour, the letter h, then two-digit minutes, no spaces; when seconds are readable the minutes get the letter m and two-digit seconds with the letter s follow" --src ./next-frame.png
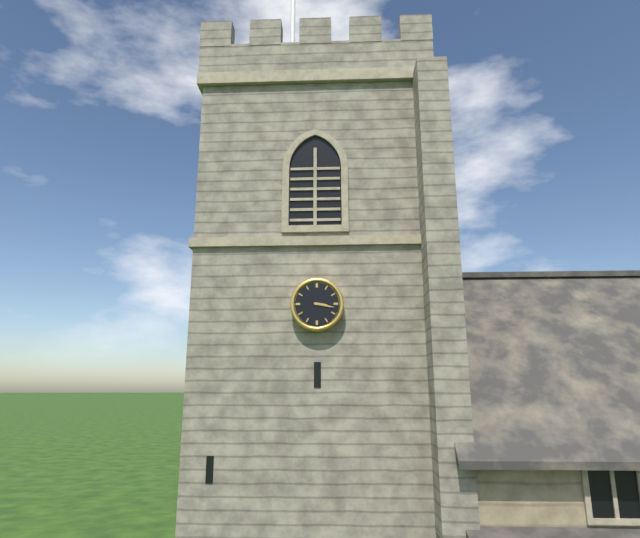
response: 3h17
